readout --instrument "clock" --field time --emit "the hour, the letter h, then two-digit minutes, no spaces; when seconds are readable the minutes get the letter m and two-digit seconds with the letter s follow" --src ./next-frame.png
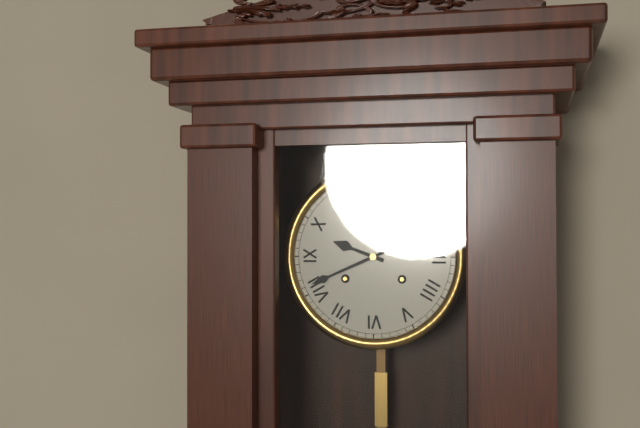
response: 9h41
